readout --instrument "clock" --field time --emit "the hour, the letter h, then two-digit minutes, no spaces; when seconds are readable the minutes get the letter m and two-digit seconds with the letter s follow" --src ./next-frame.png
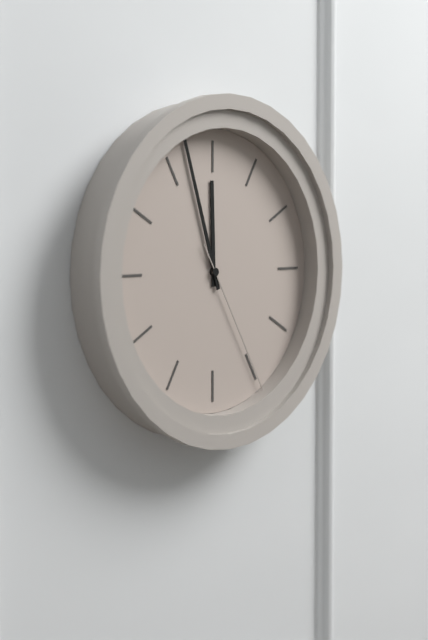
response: 11h57m25s
